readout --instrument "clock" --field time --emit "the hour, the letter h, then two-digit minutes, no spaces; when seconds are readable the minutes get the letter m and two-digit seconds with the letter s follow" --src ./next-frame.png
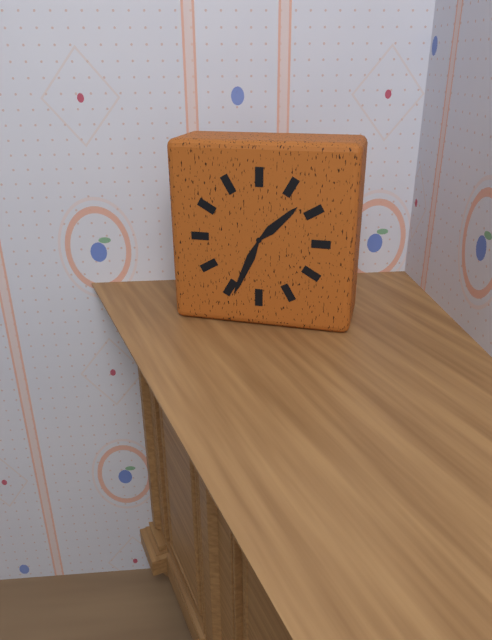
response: 1h34
